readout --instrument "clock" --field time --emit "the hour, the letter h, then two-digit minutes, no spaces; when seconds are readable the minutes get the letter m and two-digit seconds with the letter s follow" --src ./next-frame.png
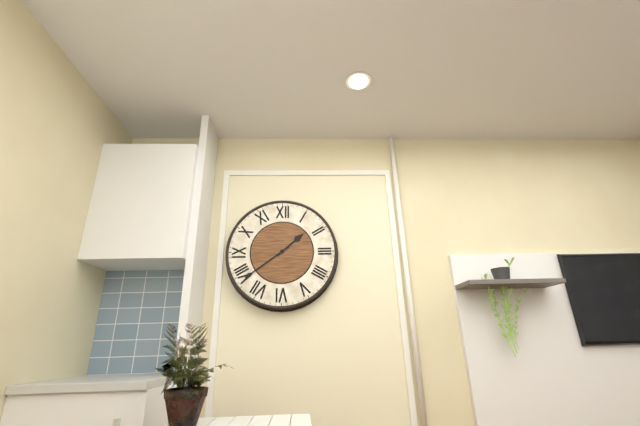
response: 1h39
